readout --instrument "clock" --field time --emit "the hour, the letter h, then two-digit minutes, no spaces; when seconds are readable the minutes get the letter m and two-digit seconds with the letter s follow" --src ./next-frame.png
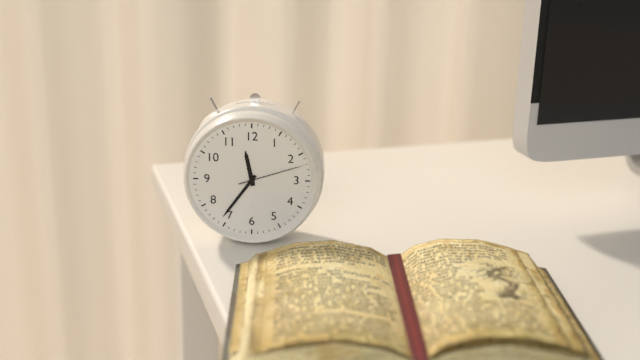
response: 11h36m12s
